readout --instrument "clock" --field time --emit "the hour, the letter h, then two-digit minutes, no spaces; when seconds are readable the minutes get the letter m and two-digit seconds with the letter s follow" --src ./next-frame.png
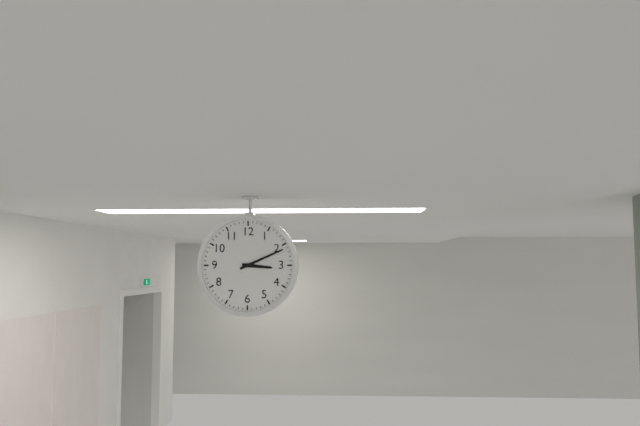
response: 3h11
